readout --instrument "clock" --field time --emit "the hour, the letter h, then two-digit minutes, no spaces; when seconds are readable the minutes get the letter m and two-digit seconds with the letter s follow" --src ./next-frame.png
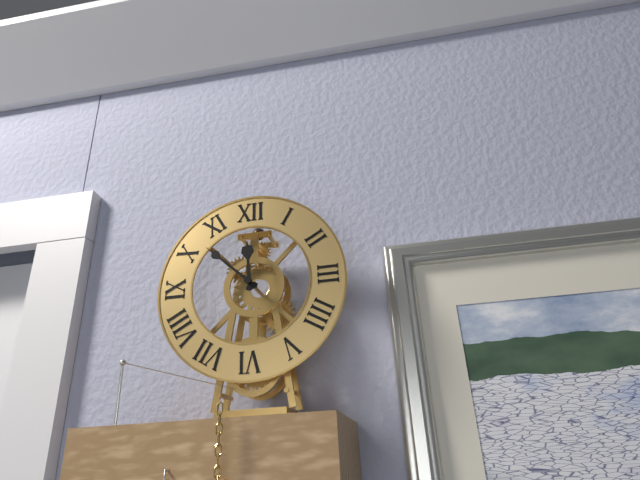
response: 11h52
